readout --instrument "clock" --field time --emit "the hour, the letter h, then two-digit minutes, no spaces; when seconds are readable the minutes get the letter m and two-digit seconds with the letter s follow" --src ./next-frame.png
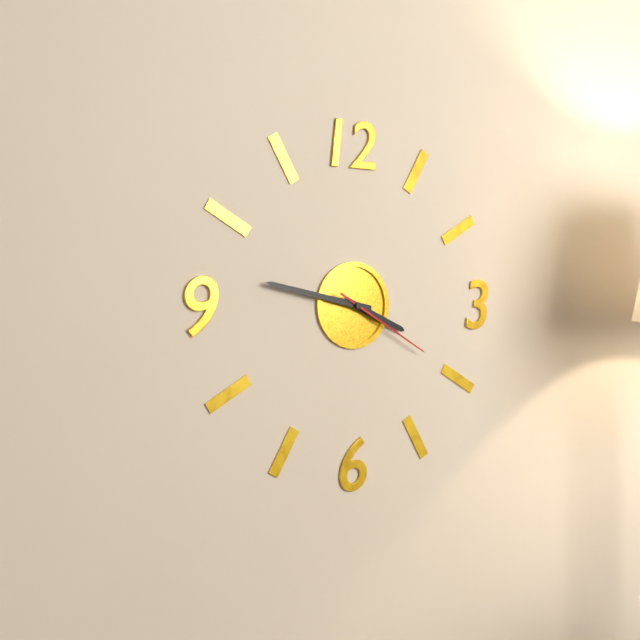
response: 3h47m20s
